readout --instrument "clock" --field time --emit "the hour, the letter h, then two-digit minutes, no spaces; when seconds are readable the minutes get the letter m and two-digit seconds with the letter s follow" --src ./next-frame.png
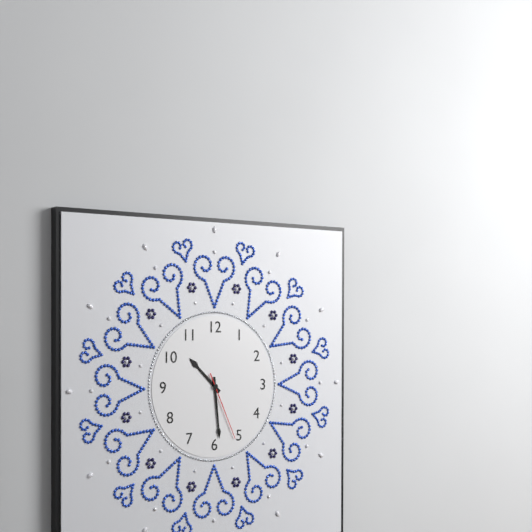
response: 10h29m26s
